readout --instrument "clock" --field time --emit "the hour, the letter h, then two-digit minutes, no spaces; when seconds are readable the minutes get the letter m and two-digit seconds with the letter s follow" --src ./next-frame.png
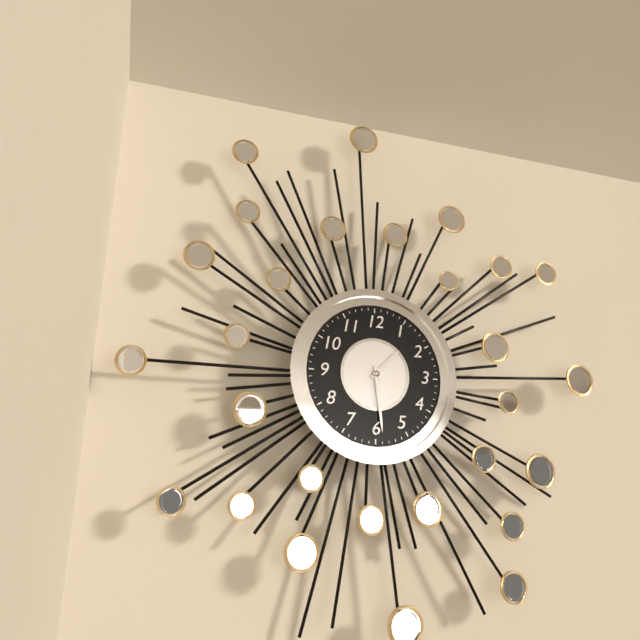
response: 1h29
